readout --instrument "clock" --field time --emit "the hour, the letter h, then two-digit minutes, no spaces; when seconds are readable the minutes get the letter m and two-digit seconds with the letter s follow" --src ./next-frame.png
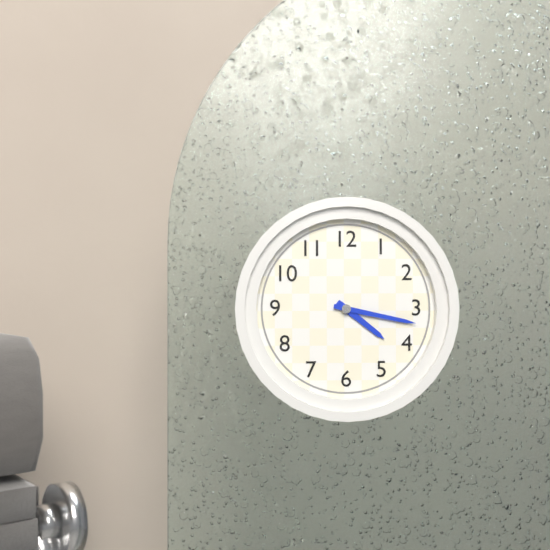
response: 4h17
